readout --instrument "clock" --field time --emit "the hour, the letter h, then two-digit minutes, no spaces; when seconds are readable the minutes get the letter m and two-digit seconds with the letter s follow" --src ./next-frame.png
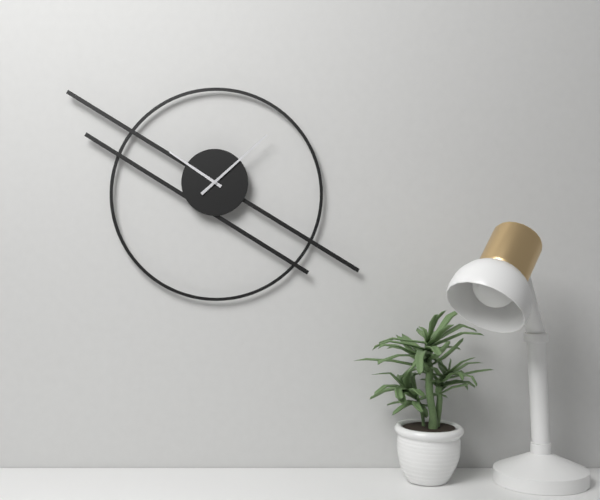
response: 10h08
